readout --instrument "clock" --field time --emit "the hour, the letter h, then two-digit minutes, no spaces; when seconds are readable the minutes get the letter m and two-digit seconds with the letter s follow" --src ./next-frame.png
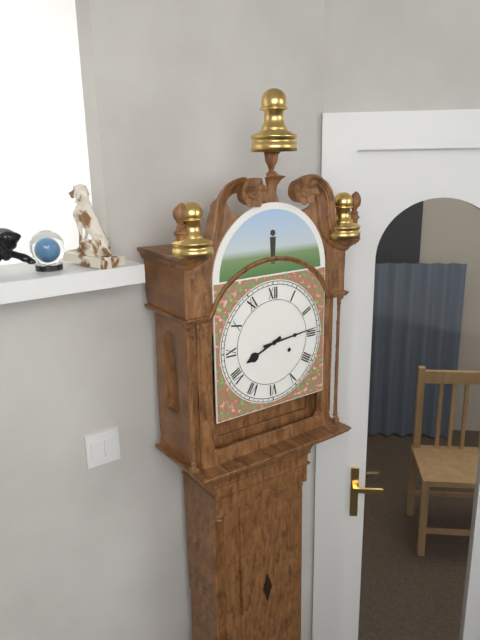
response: 8h14
